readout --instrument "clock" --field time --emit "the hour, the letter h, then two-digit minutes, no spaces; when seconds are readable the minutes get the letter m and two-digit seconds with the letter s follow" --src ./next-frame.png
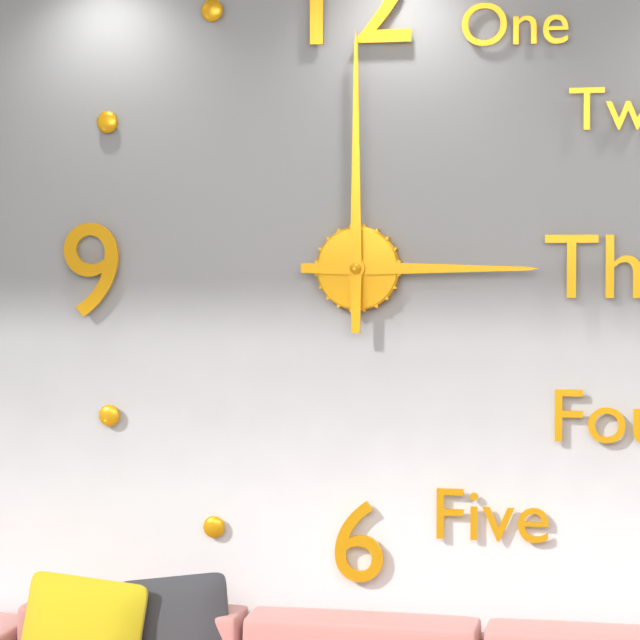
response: 3h00
